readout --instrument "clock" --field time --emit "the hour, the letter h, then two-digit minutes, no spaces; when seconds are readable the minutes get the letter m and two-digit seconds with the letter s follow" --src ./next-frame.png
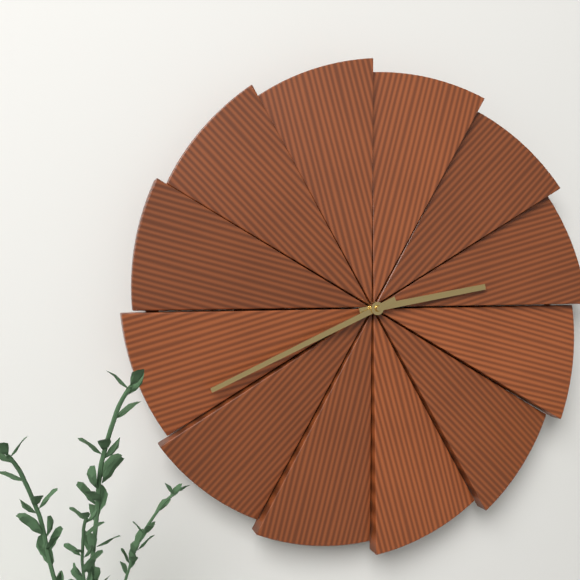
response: 2h41
